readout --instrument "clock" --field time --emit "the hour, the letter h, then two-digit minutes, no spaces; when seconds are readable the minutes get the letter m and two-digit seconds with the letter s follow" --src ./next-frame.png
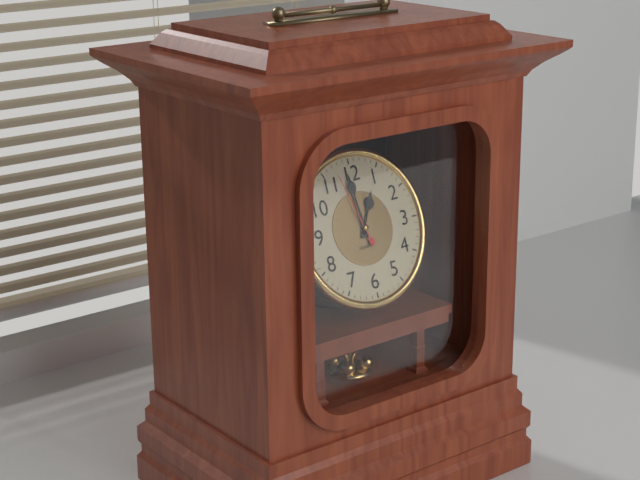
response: 12h59m57s
